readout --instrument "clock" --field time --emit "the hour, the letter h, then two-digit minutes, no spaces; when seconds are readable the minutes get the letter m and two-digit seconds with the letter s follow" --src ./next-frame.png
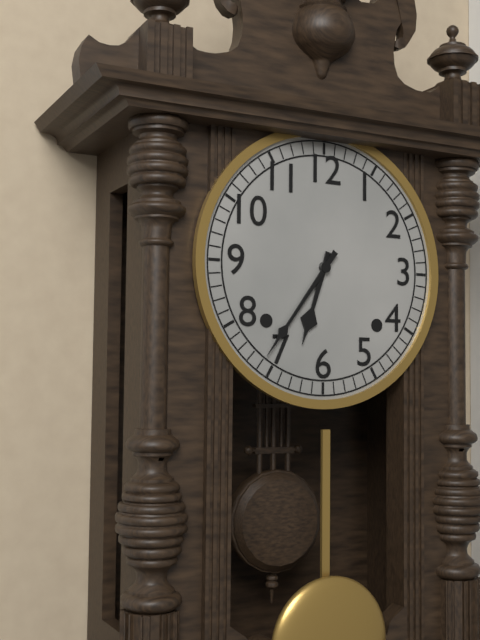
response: 6h36
